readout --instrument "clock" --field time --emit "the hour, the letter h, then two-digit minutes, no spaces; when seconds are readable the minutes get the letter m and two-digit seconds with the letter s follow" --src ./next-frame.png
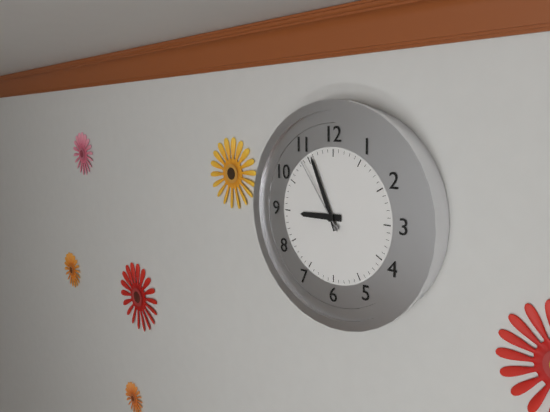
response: 8h56m54s
